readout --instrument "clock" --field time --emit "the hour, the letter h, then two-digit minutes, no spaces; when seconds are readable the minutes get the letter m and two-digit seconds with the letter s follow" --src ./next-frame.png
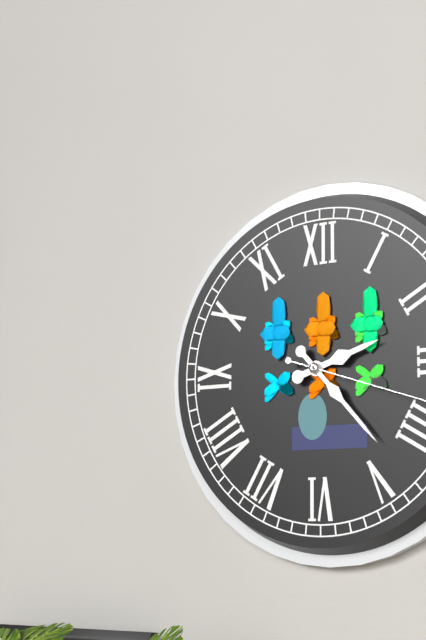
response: 2h23
